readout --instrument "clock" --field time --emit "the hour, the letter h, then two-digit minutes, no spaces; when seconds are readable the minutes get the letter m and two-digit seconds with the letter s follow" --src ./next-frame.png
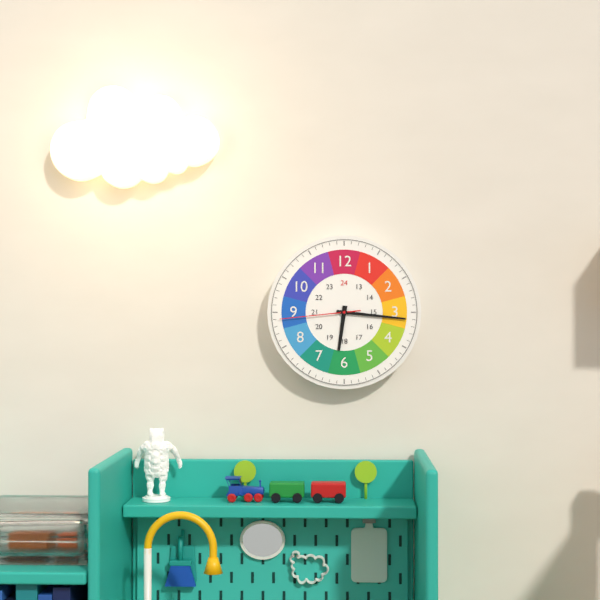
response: 6h16m44s
